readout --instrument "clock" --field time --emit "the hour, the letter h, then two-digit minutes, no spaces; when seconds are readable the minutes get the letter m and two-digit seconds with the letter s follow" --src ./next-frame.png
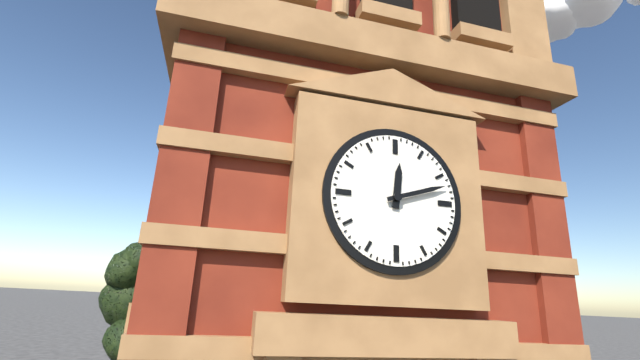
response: 12h12
